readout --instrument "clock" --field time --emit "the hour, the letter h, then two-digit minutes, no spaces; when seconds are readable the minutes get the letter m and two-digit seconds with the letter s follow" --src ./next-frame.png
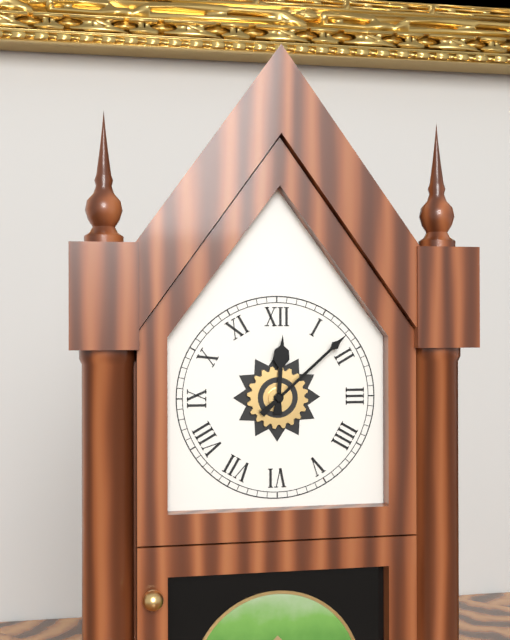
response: 12h08
